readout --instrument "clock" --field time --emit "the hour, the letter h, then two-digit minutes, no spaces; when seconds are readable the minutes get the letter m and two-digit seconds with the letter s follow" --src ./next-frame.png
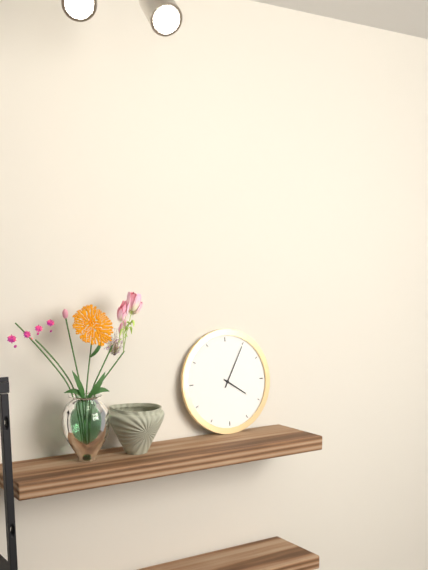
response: 4h05
